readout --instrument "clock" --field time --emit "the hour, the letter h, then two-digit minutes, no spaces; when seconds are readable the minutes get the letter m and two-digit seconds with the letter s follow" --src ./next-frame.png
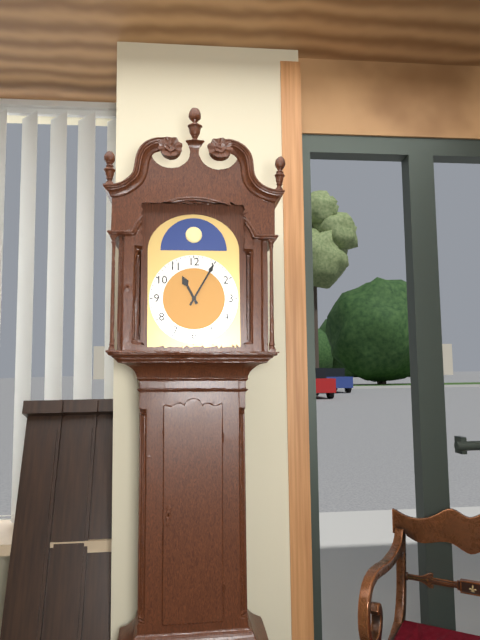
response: 11h05
